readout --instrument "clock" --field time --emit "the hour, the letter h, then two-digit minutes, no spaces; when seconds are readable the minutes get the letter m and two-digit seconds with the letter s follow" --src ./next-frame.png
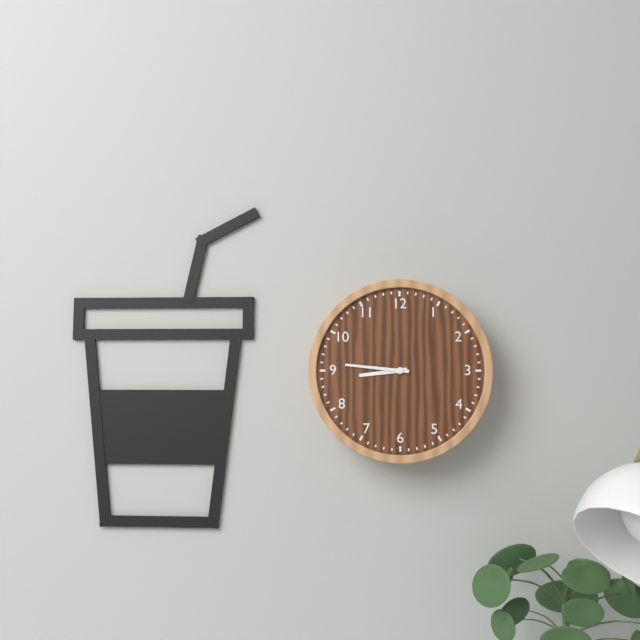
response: 8h46
